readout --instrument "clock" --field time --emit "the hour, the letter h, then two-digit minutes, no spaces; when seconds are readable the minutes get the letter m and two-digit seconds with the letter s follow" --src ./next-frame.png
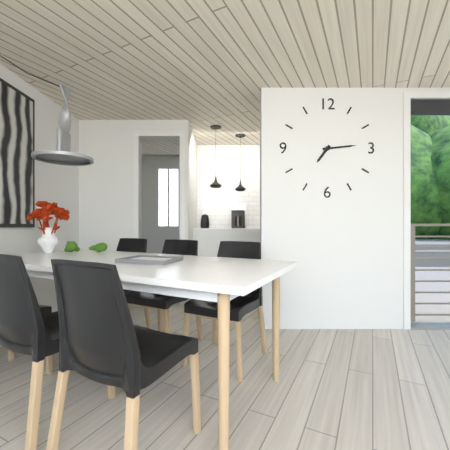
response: 7h14
